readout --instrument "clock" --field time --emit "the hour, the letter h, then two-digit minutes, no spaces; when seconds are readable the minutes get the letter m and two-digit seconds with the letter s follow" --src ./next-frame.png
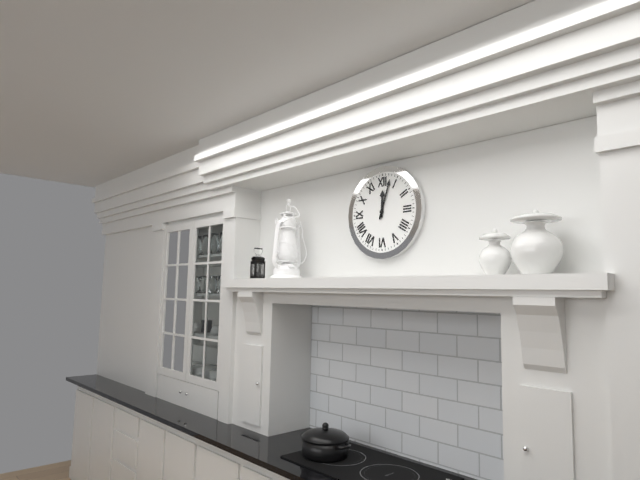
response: 12h03
